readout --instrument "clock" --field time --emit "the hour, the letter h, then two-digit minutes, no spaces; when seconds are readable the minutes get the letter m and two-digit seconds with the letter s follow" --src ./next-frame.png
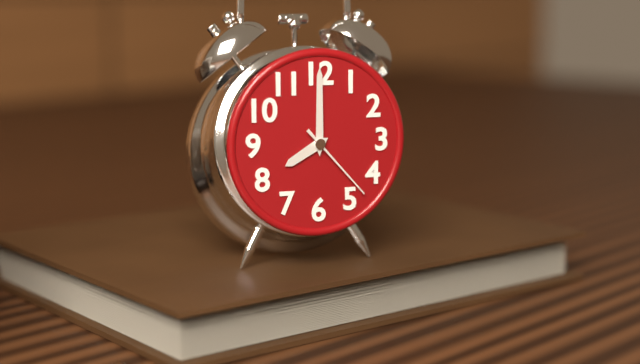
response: 8h00m23s
